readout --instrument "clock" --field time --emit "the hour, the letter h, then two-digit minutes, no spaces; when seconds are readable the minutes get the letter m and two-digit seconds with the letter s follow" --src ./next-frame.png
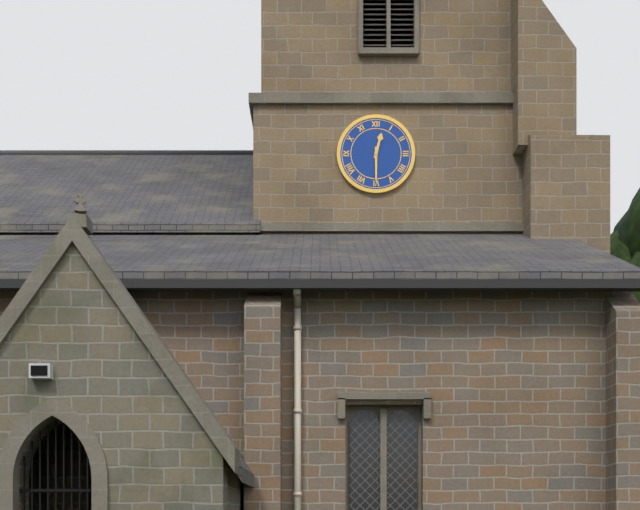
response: 12h30
